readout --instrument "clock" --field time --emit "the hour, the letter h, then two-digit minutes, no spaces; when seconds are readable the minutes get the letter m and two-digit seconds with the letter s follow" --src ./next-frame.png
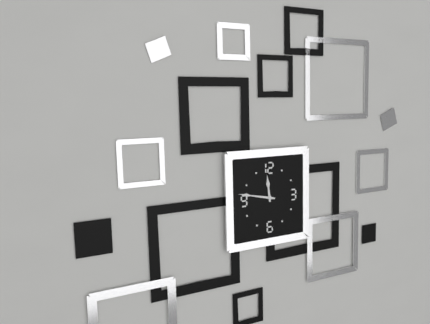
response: 11h47
